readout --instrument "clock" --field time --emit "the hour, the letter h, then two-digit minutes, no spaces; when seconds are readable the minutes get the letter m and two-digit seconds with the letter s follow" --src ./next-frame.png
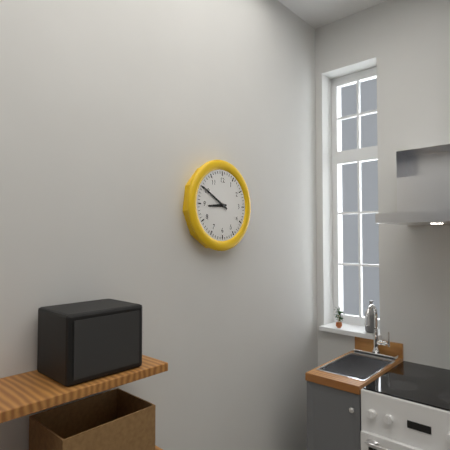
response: 8h50
